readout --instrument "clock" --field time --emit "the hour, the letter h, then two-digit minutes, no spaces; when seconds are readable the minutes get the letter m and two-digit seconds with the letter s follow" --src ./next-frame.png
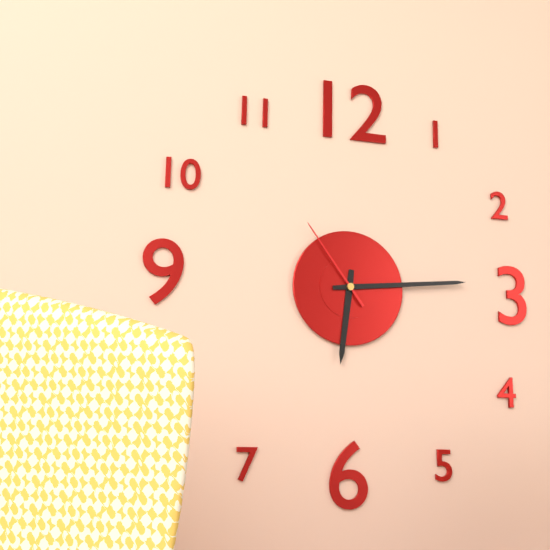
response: 6h14m54s
